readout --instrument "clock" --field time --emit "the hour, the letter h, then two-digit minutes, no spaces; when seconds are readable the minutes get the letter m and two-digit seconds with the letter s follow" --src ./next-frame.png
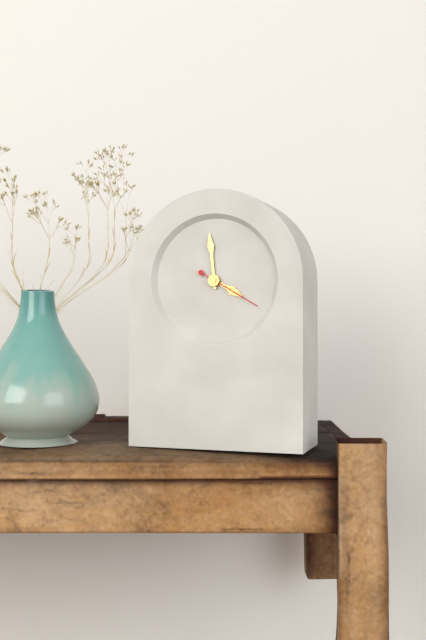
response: 3h59m20s
